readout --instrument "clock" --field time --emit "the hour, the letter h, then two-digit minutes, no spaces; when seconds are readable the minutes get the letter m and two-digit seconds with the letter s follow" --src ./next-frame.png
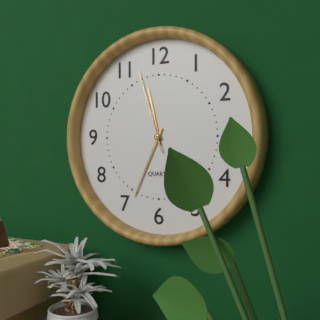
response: 11h34m57s
